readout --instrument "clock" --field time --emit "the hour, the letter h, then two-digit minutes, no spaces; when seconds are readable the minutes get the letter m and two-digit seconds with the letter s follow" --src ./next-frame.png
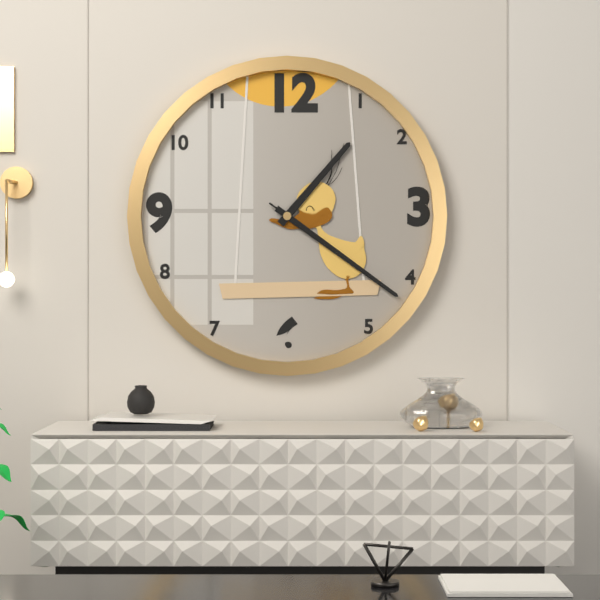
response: 1h21m21s
